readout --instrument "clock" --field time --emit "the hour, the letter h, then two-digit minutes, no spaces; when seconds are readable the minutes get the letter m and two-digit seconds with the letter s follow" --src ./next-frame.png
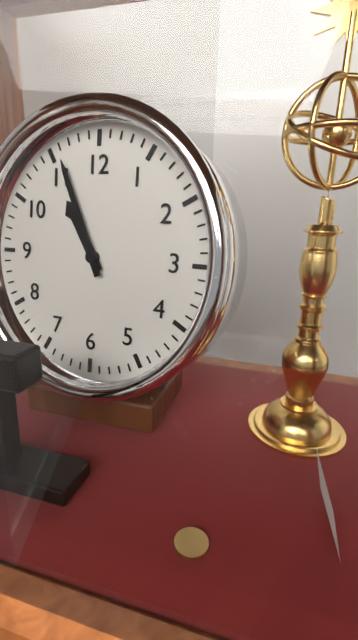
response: 10h56
